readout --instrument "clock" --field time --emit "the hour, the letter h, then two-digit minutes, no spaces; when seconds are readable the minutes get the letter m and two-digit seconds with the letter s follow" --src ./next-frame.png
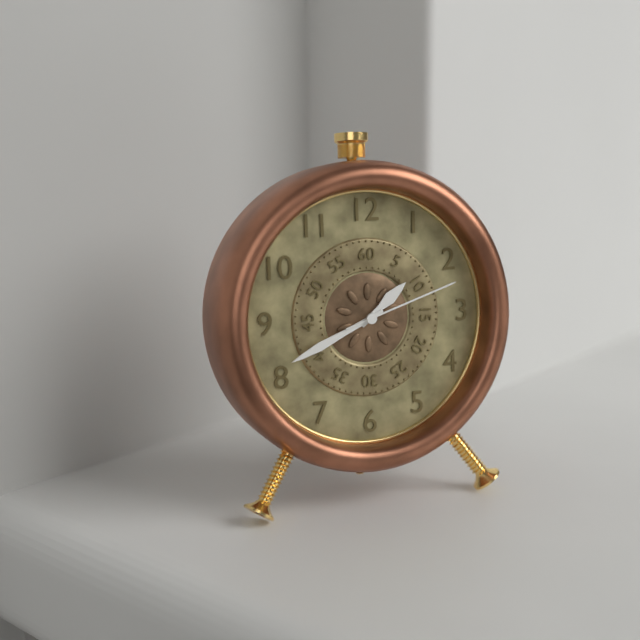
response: 1h41m12s
